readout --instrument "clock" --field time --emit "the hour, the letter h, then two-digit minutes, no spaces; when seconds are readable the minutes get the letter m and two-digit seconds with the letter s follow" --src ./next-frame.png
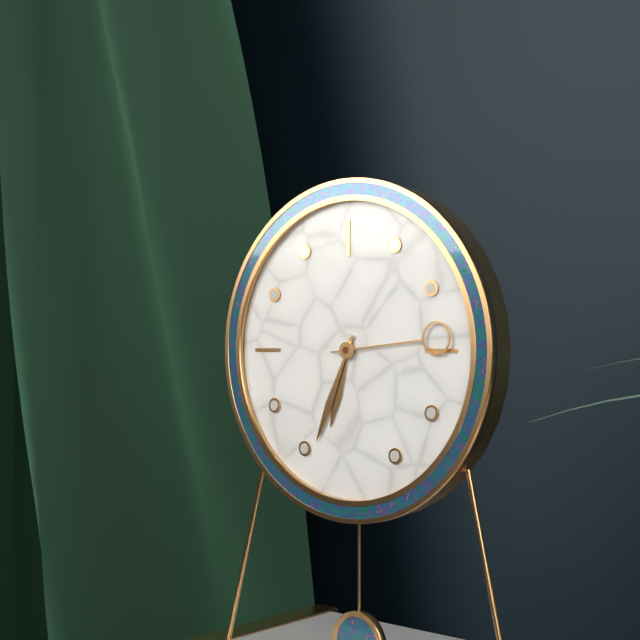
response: 6h34m14s
